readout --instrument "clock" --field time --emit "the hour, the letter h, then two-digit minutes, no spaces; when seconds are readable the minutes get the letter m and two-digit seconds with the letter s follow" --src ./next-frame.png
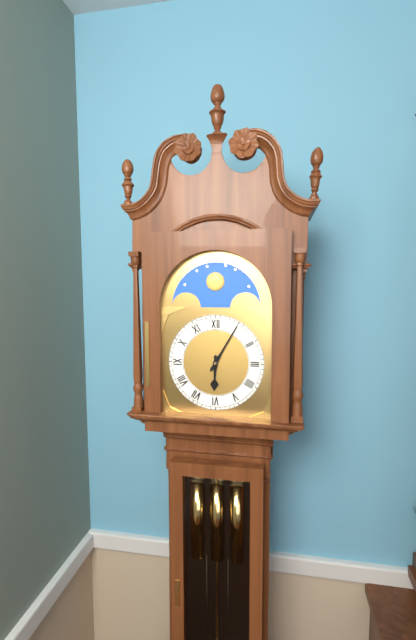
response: 6h05
